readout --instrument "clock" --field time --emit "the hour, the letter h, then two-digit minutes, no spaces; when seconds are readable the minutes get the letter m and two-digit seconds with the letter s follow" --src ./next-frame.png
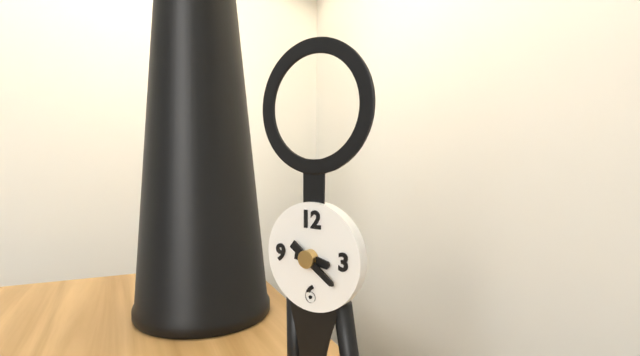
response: 3h21
